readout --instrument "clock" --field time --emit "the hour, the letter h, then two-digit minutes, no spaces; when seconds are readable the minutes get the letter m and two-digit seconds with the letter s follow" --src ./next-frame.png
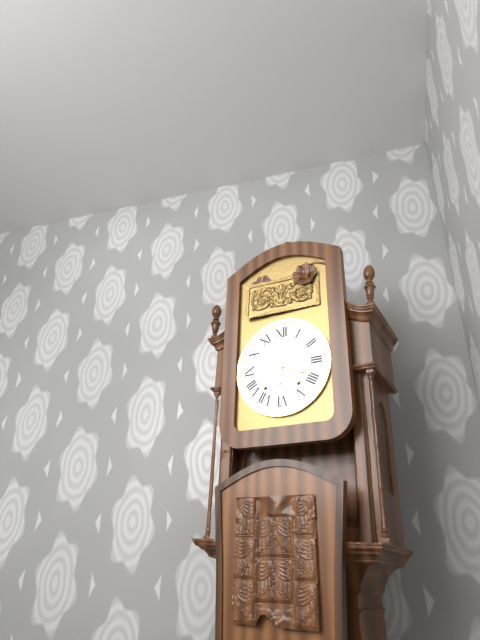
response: 6h19
